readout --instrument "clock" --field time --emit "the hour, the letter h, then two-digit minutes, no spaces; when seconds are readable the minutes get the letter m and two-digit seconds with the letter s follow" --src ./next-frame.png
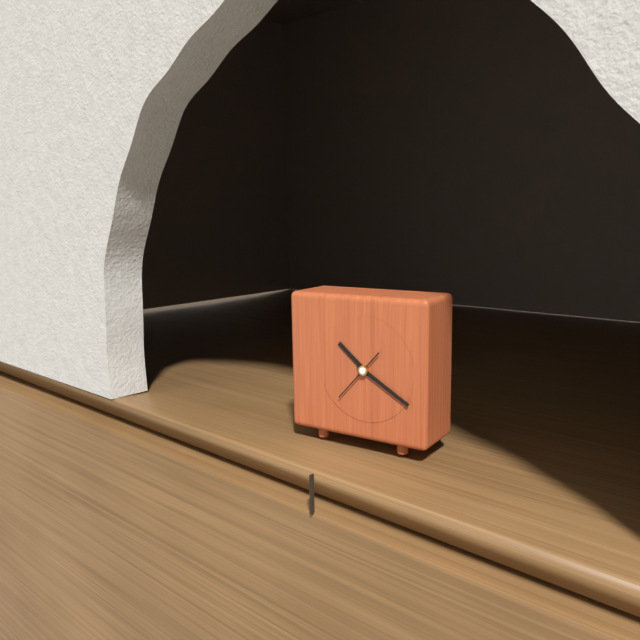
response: 10h20
